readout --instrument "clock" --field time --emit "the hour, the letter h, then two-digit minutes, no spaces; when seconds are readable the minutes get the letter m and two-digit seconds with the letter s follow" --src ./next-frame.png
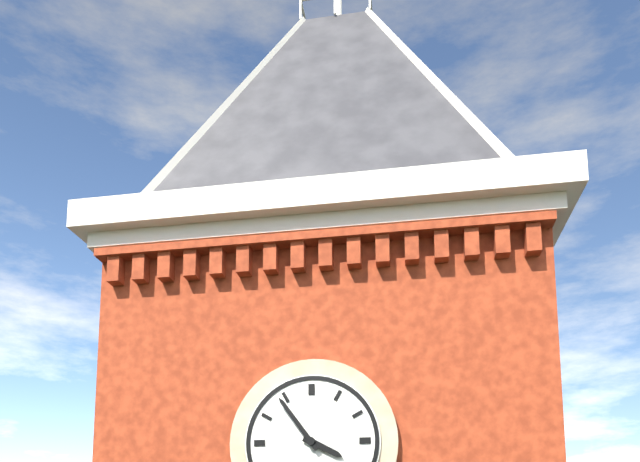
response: 3h54
